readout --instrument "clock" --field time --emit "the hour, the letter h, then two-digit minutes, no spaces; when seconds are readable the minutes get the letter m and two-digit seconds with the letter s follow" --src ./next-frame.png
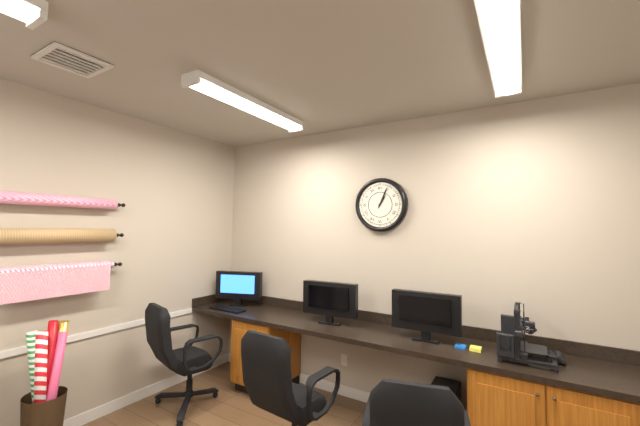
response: 1h04
